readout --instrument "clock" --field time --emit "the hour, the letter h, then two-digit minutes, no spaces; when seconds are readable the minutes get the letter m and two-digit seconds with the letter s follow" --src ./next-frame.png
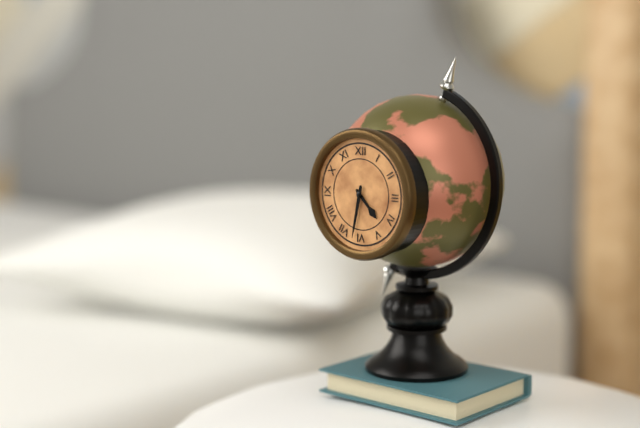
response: 4h32
